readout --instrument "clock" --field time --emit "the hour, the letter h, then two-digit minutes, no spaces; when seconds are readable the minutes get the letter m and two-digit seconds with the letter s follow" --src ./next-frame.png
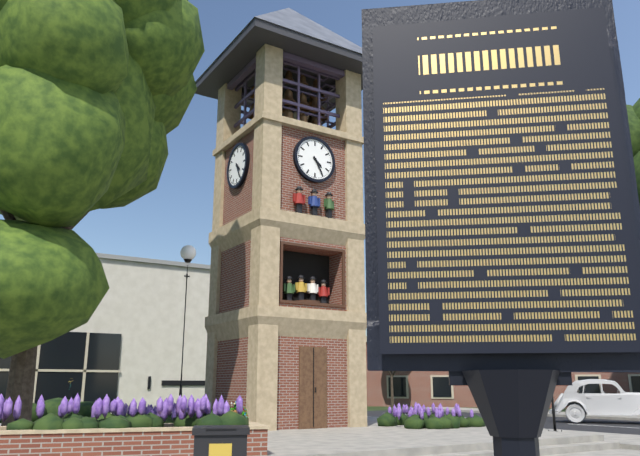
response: 4h25
